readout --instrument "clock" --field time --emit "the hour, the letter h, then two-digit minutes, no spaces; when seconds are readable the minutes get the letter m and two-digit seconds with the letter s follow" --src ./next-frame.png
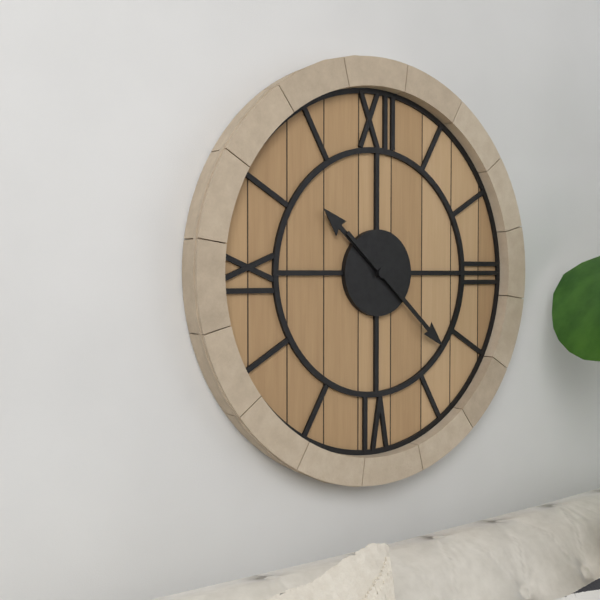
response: 10h22
